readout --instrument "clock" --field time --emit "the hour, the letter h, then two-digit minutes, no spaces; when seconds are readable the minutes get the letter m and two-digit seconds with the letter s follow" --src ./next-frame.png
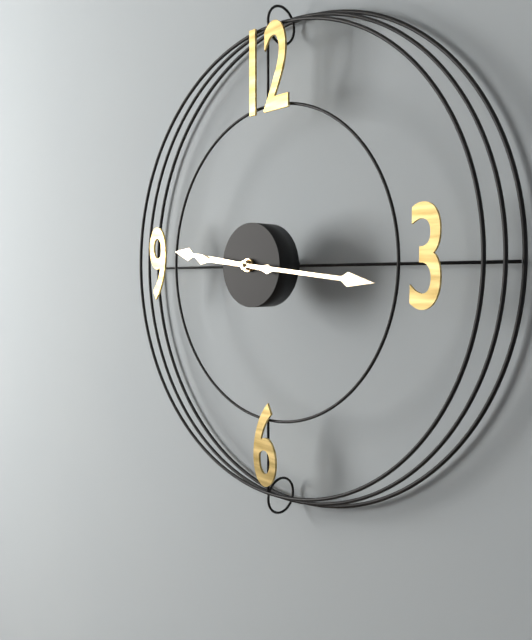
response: 9h16
